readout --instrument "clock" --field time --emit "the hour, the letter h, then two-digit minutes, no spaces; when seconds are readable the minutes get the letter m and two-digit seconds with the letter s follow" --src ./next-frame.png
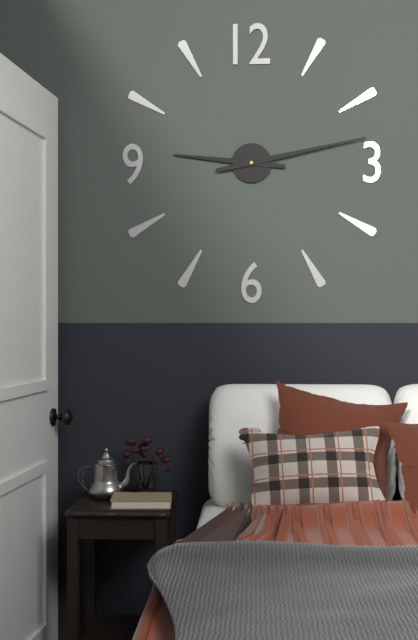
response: 9h13
